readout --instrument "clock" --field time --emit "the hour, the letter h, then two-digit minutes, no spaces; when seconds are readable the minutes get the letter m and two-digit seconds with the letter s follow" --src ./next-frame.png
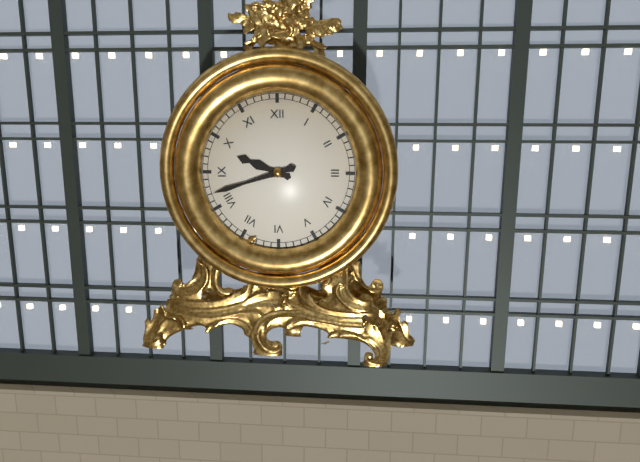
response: 9h42
